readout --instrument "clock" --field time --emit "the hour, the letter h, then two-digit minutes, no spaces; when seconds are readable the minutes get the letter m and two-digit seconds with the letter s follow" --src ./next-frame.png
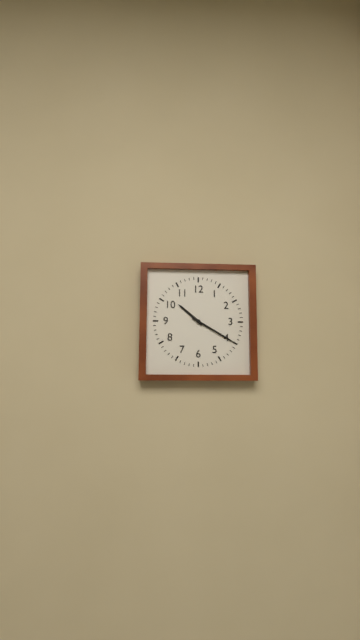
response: 10h20
